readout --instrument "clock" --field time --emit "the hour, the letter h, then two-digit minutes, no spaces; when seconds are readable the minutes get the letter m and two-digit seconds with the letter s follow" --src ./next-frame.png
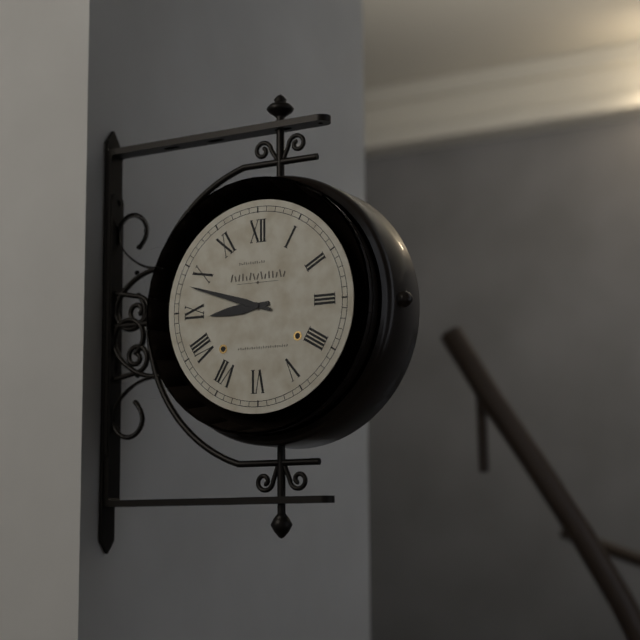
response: 8h48
